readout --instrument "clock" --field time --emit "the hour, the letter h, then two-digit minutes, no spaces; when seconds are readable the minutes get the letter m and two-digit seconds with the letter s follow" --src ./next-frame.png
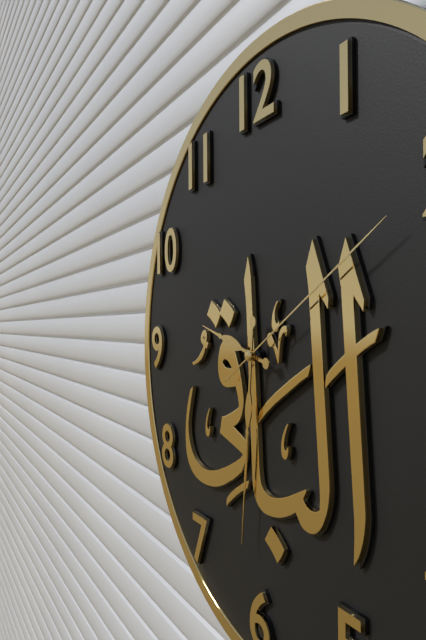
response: 9h31m10s
